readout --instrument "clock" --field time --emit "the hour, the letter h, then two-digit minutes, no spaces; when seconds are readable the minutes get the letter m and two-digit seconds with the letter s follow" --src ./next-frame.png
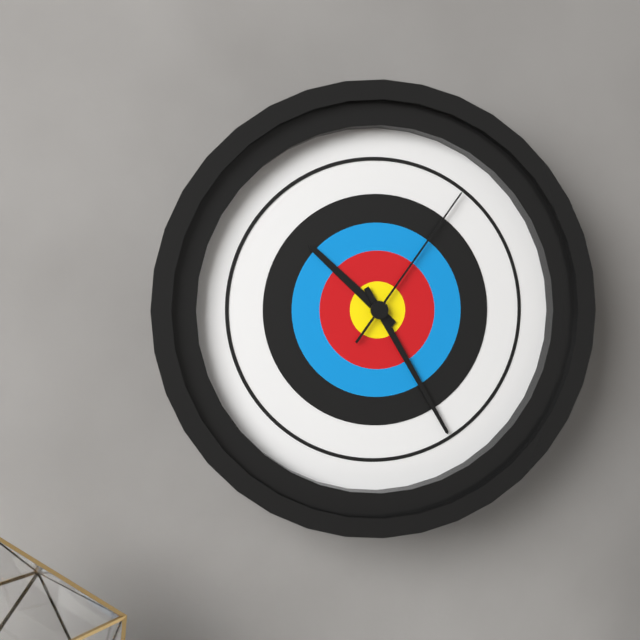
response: 10h25m06s
